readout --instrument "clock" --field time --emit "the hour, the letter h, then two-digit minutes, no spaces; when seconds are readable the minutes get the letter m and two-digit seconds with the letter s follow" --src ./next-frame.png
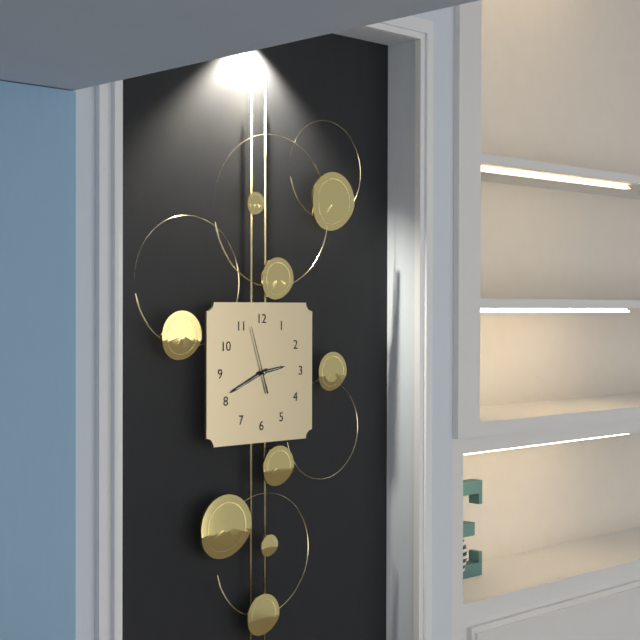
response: 2h41m57s
